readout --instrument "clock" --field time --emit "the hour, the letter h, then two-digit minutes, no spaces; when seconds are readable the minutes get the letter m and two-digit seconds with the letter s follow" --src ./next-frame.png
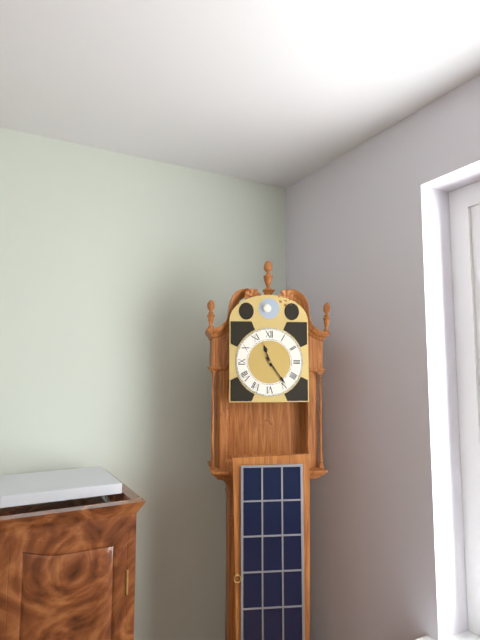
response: 11h24
